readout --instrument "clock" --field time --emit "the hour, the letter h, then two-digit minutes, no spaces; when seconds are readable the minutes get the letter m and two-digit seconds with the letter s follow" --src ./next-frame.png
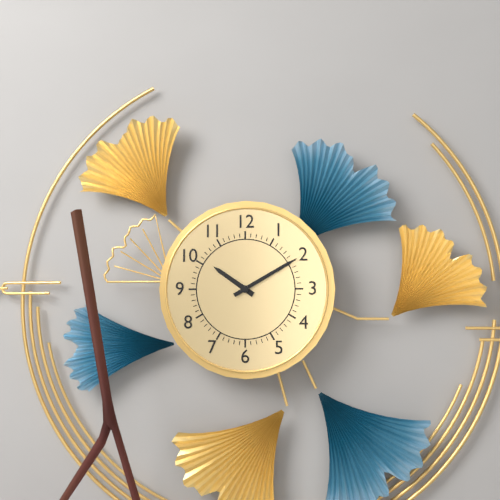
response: 10h10
